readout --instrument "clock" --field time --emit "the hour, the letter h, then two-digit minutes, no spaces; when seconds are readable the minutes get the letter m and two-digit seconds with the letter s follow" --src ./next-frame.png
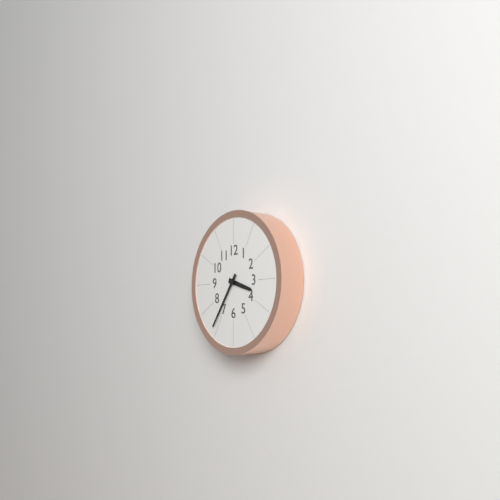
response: 3h36
